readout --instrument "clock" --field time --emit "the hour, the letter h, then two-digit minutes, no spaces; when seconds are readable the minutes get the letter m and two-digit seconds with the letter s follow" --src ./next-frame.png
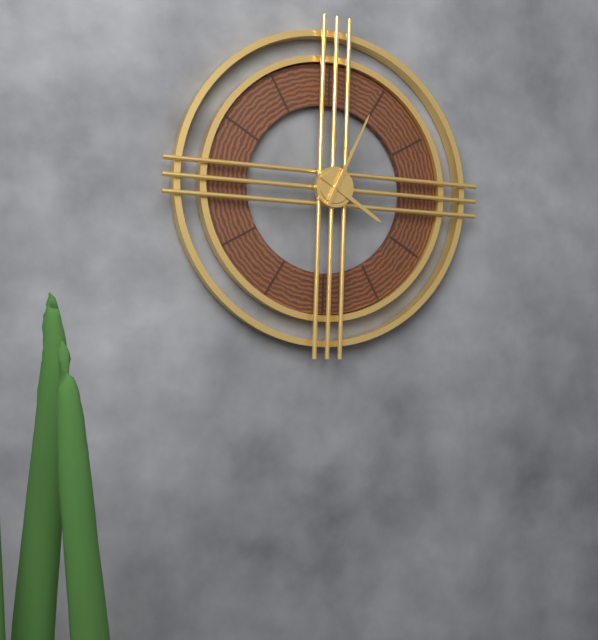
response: 4h04
